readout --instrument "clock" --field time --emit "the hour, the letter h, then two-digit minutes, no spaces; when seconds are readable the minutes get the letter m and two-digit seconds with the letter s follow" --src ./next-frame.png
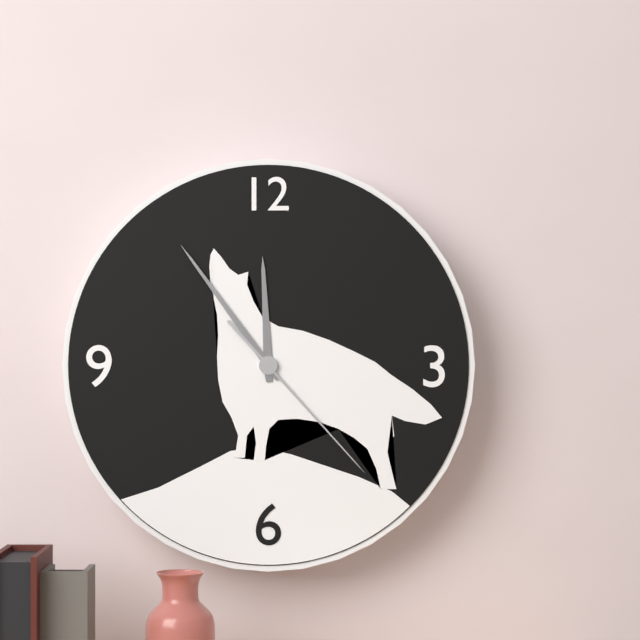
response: 11h54m23s
